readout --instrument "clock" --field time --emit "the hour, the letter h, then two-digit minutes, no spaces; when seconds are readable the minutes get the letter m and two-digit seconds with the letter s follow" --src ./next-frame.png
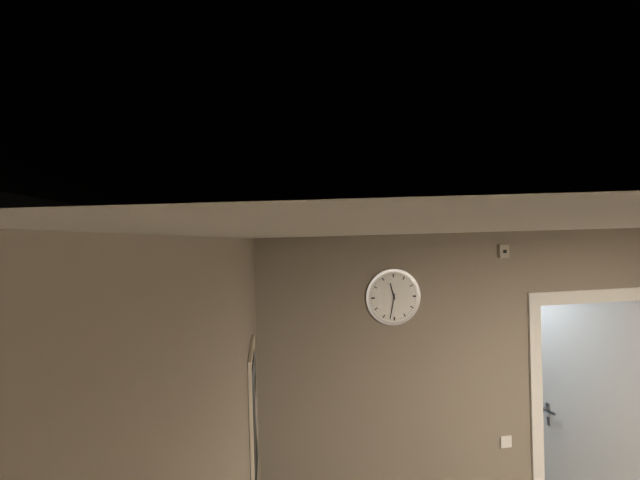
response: 11h32
